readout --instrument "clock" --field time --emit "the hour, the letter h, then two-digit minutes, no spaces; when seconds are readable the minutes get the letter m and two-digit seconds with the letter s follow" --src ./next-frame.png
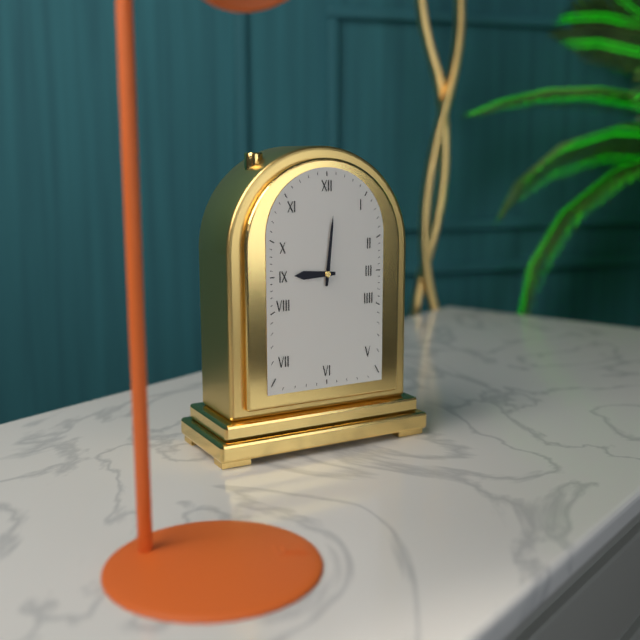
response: 9h01
